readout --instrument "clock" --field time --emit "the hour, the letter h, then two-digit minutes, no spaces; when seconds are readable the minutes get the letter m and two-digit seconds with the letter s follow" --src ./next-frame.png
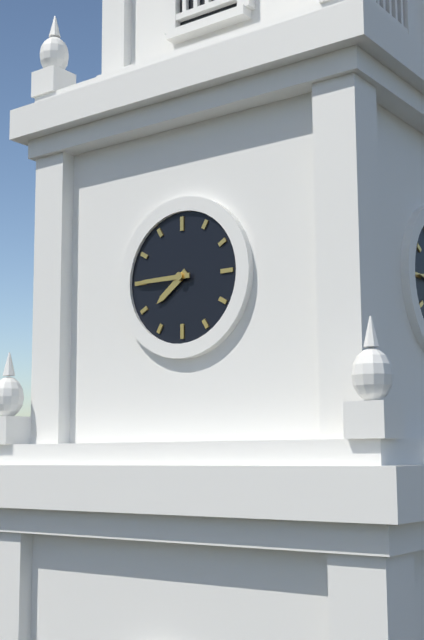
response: 7h45
